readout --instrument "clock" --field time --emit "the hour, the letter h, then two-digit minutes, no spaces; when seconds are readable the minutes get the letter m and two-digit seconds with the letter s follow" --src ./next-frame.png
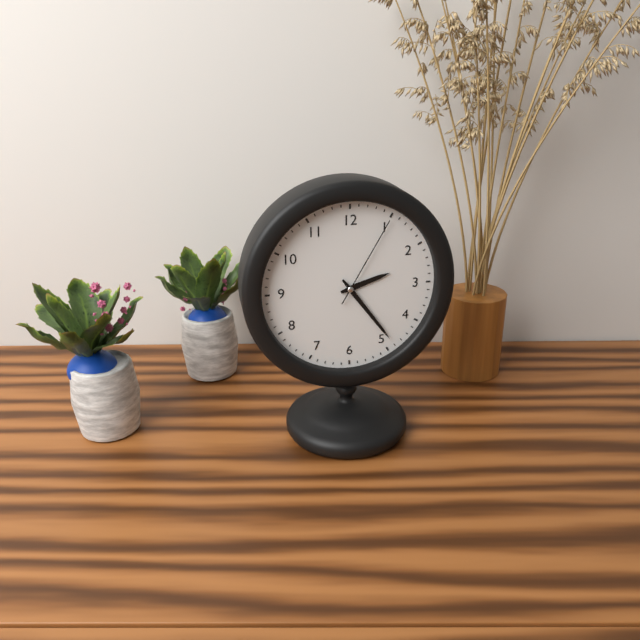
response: 2h24m05s
